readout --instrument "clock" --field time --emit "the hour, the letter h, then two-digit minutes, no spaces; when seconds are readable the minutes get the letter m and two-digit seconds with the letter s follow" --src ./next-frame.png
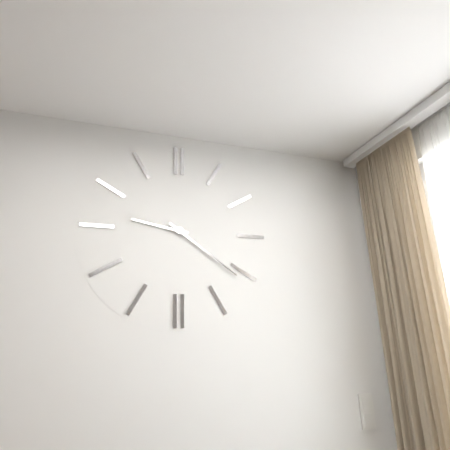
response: 9h21
